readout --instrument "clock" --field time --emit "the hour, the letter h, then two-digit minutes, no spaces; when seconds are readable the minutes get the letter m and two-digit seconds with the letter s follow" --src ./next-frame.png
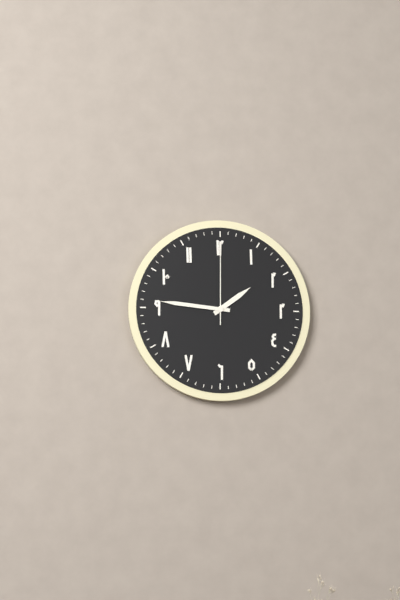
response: 1h46m00s
